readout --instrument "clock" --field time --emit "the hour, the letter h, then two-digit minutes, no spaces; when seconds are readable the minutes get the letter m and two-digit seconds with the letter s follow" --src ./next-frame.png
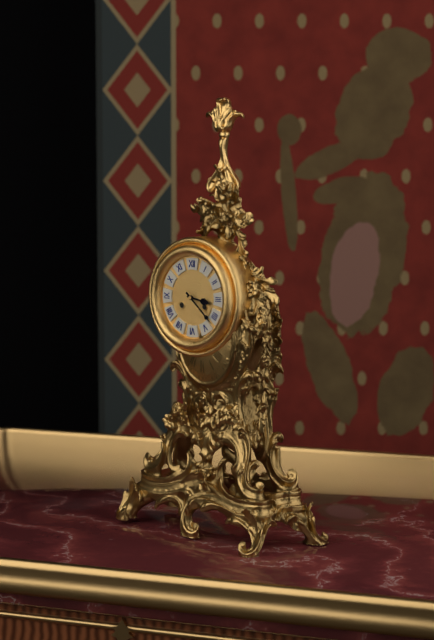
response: 3h22
